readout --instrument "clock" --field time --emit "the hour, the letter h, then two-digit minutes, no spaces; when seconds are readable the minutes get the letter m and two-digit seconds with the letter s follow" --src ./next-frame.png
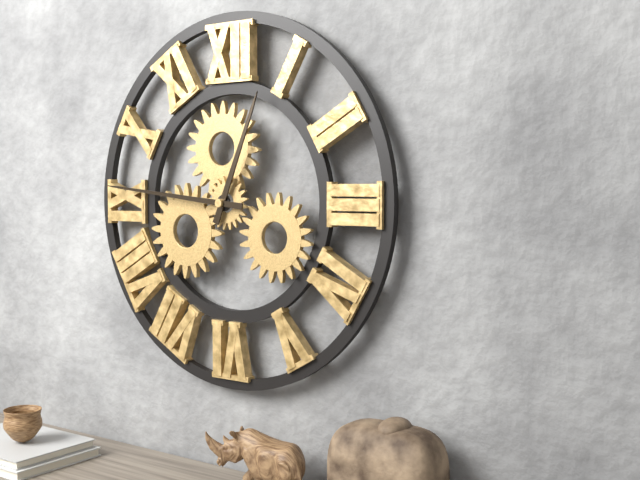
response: 12h46
